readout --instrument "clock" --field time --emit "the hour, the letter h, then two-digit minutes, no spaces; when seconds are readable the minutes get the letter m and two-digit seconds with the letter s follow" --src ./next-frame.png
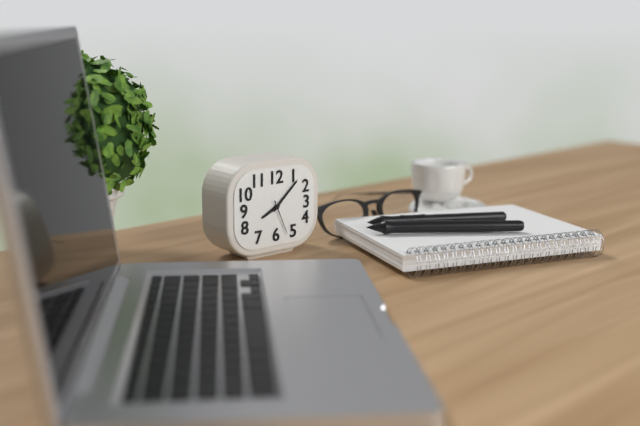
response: 8h08
